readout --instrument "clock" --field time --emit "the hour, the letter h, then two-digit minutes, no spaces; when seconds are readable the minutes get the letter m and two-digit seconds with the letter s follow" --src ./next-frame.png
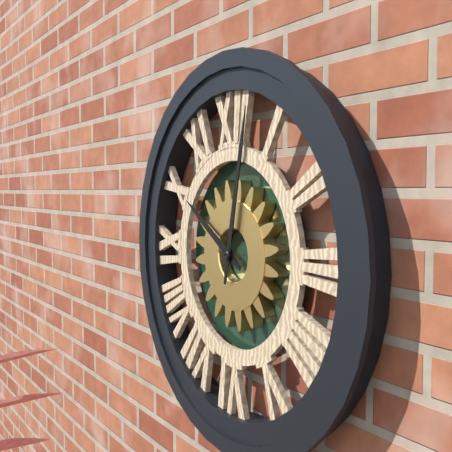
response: 10h02
